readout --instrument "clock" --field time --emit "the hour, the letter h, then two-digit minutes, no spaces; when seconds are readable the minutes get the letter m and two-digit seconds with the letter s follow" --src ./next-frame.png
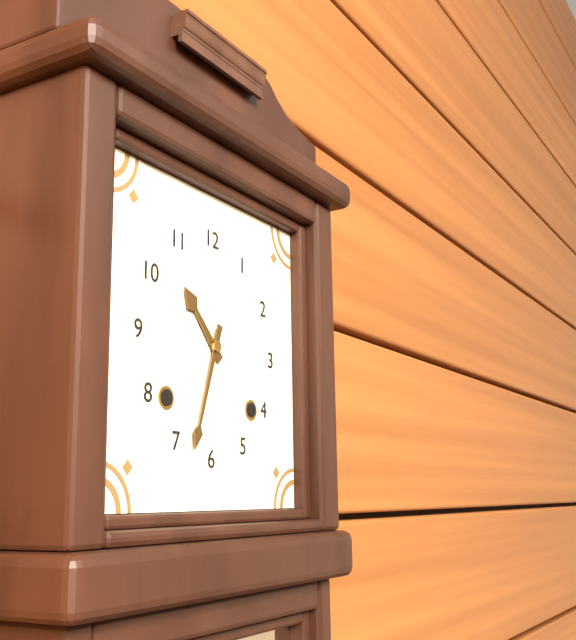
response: 10h33
